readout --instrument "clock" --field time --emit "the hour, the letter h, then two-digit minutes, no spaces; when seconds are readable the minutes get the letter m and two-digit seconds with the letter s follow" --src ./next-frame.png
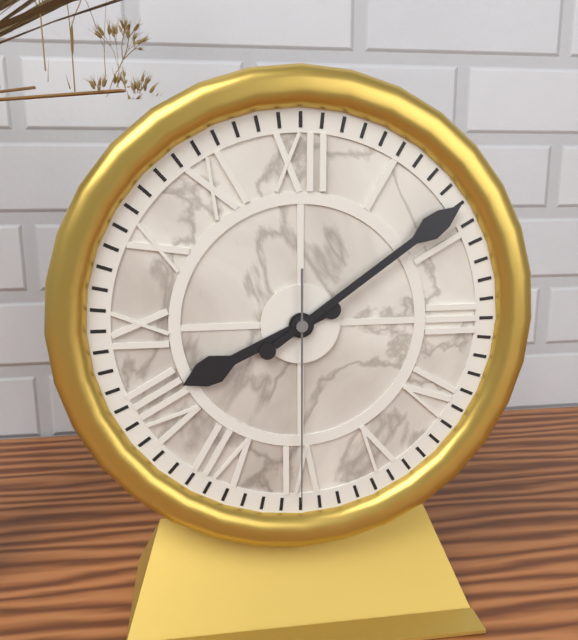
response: 8h09m30s
